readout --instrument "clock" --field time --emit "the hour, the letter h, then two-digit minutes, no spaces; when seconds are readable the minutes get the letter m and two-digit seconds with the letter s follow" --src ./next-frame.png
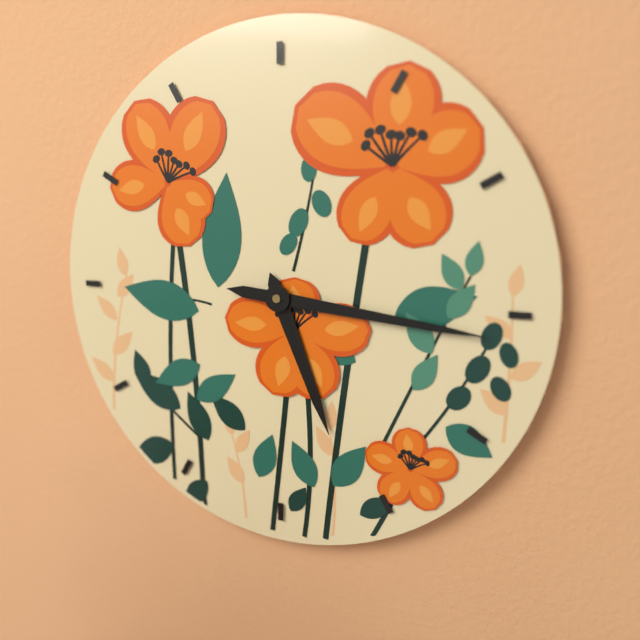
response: 5h16
